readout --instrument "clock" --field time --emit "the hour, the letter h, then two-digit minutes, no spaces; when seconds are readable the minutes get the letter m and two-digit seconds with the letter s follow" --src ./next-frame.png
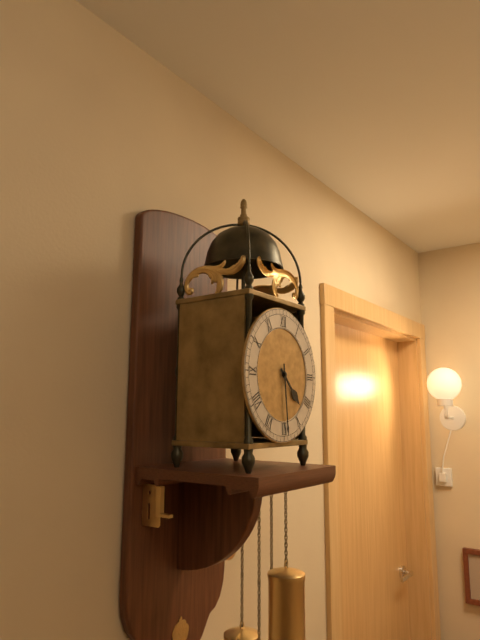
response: 4h29
